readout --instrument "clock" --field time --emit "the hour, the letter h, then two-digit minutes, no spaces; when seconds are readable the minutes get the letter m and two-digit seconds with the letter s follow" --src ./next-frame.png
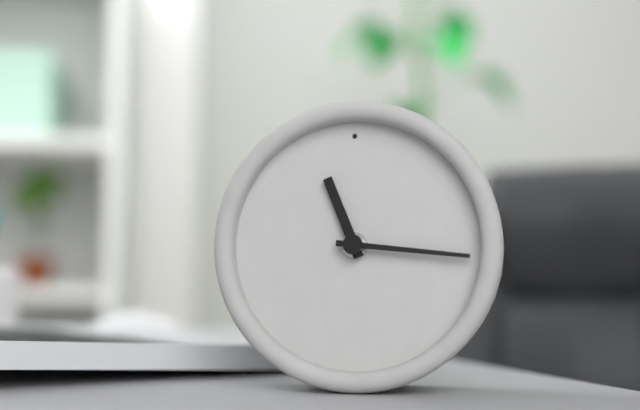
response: 11h16
